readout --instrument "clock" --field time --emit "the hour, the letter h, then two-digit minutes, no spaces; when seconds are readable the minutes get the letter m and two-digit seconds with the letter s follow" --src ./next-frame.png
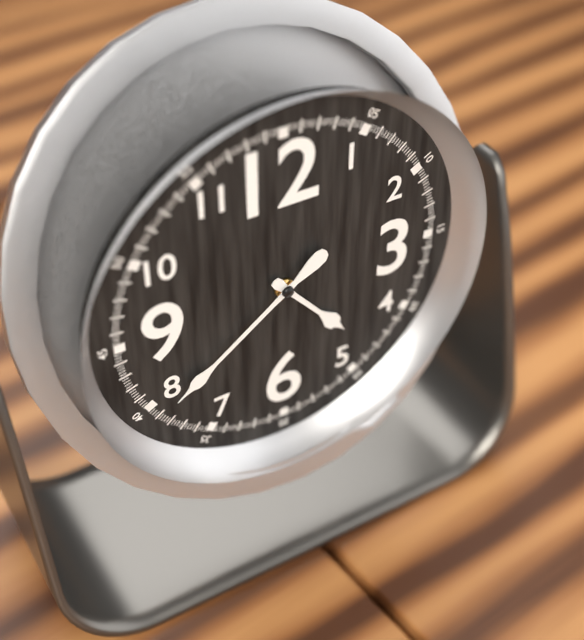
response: 4h39
